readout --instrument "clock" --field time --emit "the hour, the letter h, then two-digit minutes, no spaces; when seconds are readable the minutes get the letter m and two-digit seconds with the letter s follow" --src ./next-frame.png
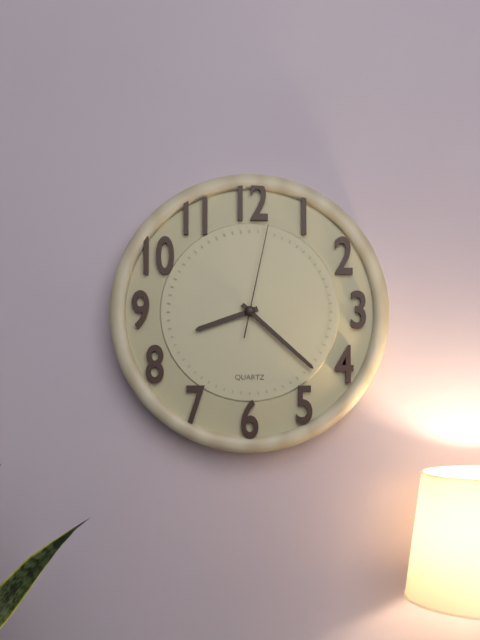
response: 8h22m02s
